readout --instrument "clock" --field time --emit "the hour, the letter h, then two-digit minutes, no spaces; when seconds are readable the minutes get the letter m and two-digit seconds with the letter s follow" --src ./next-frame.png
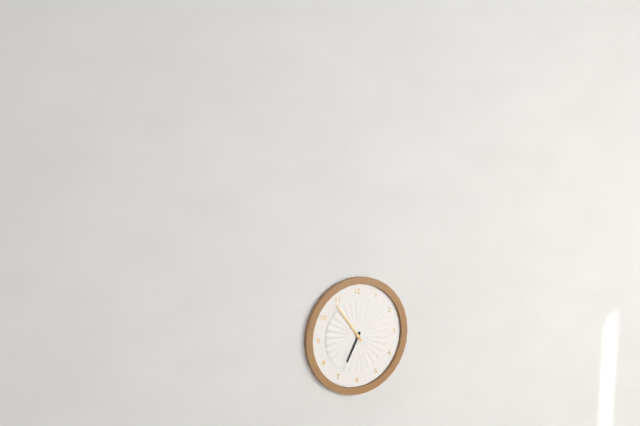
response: 6h54
